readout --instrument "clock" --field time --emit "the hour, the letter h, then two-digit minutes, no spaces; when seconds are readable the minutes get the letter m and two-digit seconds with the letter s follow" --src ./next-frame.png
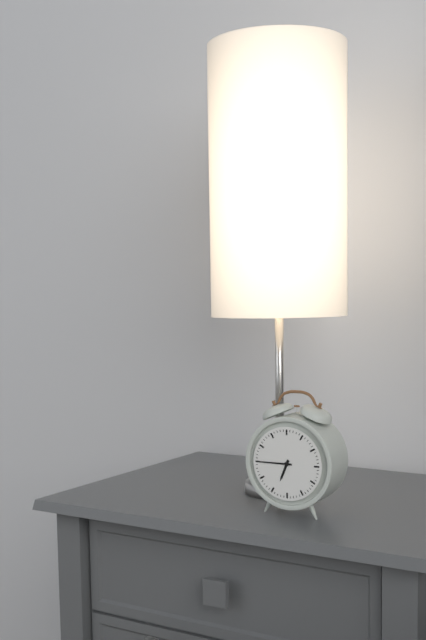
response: 6h45
